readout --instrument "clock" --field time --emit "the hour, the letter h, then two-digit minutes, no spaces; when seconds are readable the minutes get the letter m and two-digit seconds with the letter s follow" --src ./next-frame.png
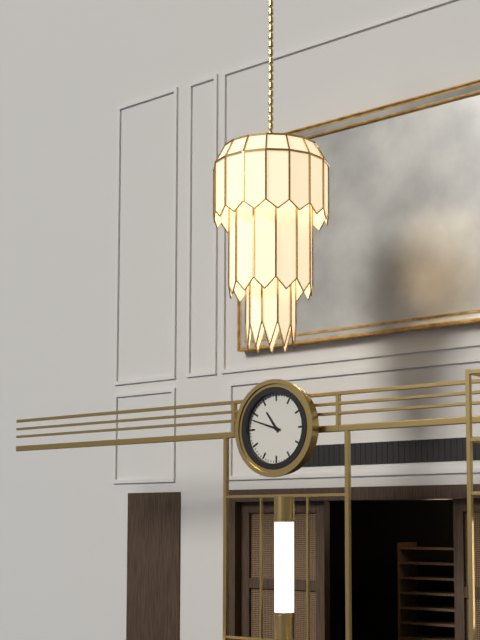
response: 10h48
